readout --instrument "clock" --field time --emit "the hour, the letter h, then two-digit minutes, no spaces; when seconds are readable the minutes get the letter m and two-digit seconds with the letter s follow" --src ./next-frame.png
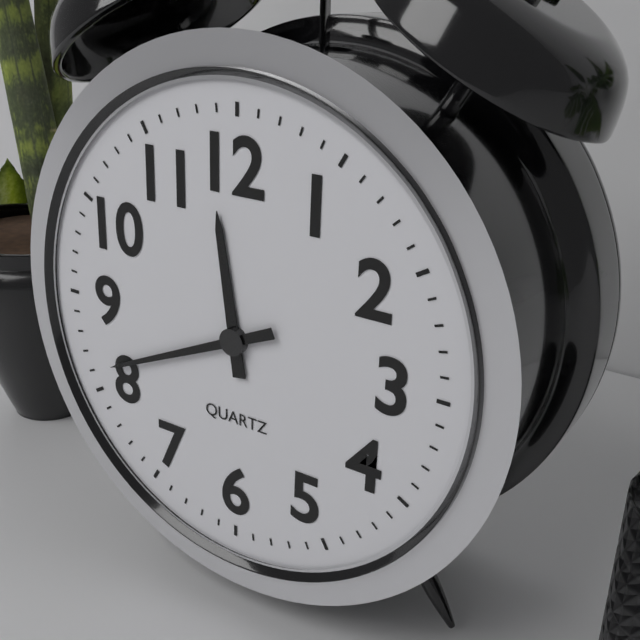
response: 11h41
